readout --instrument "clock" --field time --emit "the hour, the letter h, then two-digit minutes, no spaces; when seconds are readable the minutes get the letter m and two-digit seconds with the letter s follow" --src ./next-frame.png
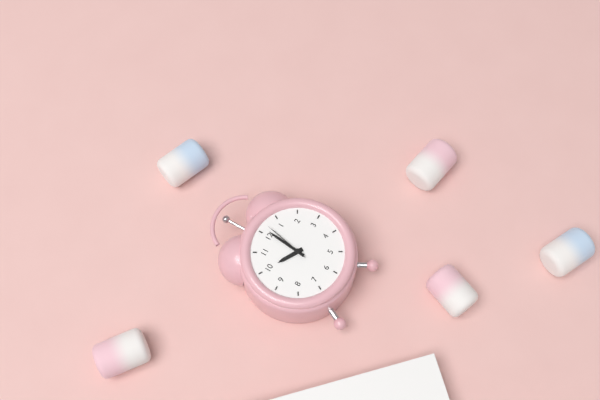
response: 10h01
